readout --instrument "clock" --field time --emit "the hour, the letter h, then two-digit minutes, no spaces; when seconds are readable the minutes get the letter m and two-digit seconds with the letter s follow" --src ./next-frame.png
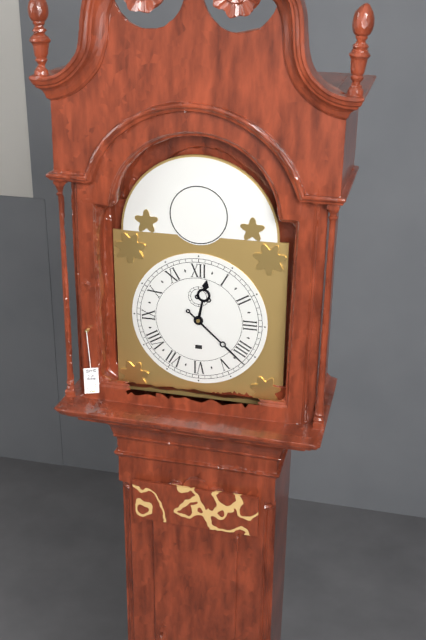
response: 12h22
